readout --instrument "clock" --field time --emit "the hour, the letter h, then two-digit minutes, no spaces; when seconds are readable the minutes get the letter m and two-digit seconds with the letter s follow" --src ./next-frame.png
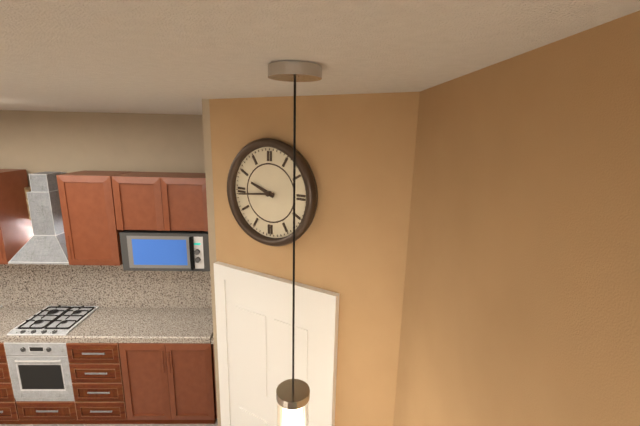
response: 9h44
